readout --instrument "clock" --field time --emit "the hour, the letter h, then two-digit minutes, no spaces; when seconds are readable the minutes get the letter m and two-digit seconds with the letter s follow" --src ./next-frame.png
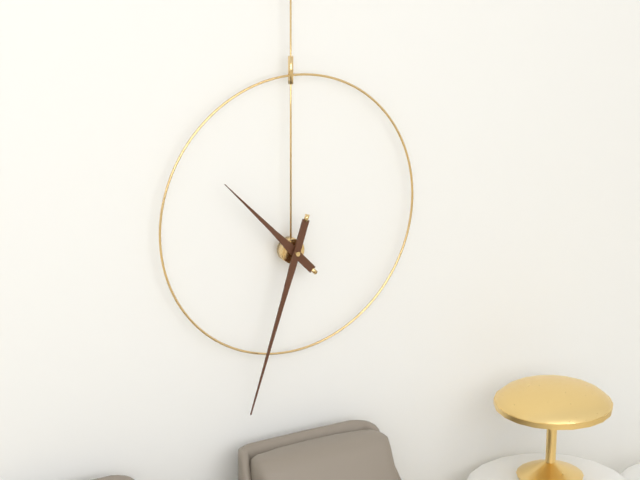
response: 10h33
